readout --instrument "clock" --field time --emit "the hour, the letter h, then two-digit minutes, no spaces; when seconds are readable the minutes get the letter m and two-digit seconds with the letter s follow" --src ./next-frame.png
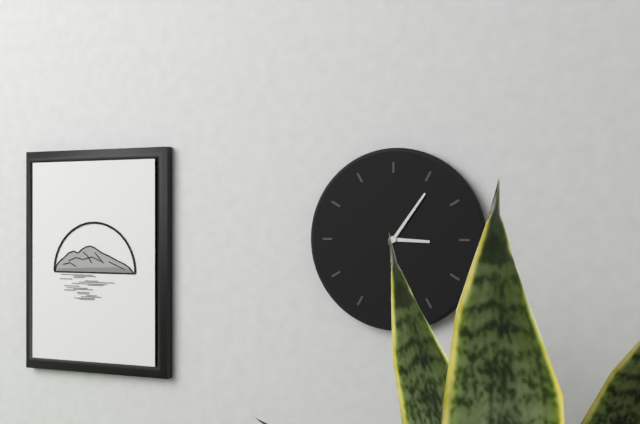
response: 3h06
